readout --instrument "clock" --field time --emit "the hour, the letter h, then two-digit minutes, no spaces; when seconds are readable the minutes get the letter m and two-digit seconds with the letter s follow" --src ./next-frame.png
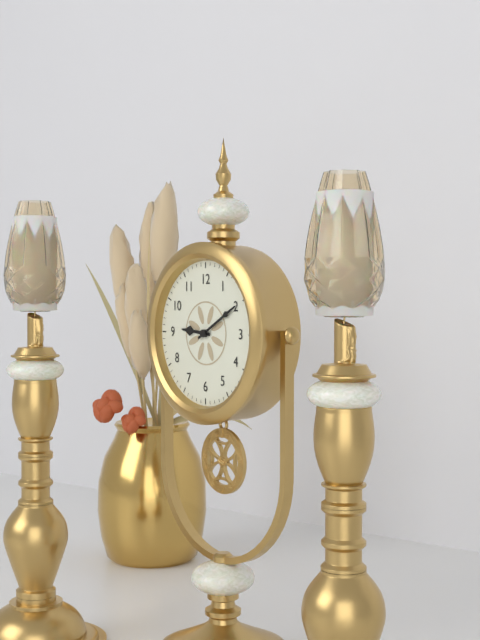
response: 9h10
